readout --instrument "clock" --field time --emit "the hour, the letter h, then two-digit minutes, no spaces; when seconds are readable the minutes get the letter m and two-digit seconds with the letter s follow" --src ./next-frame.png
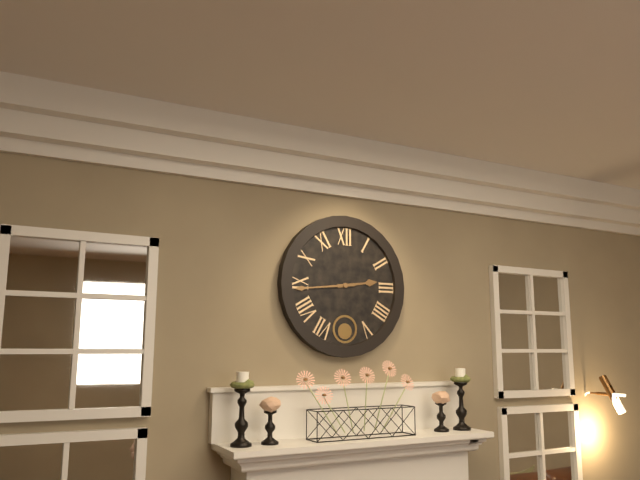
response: 2h44
